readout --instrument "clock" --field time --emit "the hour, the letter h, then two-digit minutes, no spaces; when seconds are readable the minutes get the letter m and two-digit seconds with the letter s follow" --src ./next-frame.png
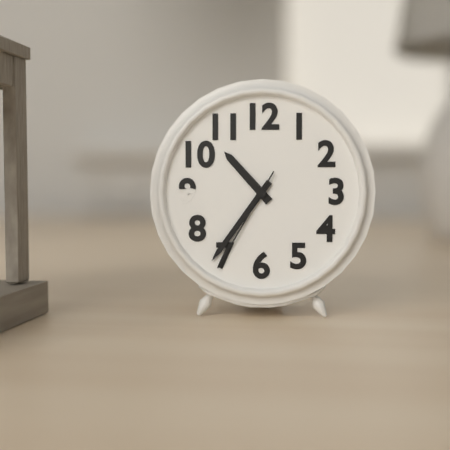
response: 10h36m35s
